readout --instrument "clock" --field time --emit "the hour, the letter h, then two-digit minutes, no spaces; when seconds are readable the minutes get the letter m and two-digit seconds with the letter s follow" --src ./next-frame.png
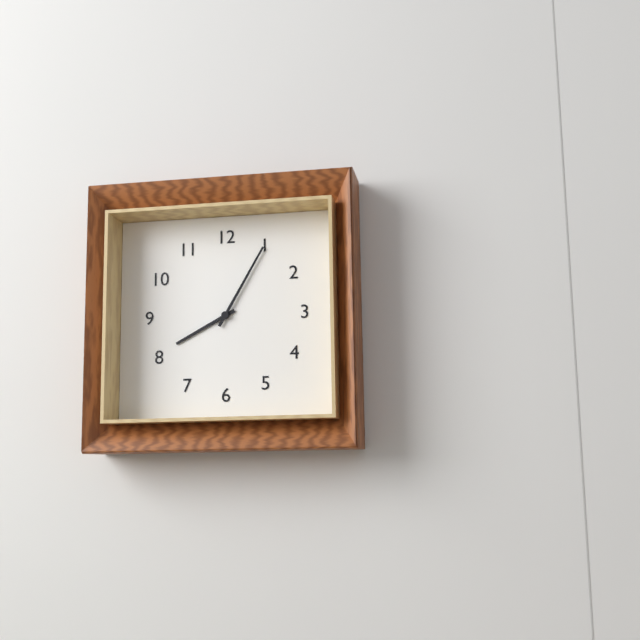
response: 8h05
